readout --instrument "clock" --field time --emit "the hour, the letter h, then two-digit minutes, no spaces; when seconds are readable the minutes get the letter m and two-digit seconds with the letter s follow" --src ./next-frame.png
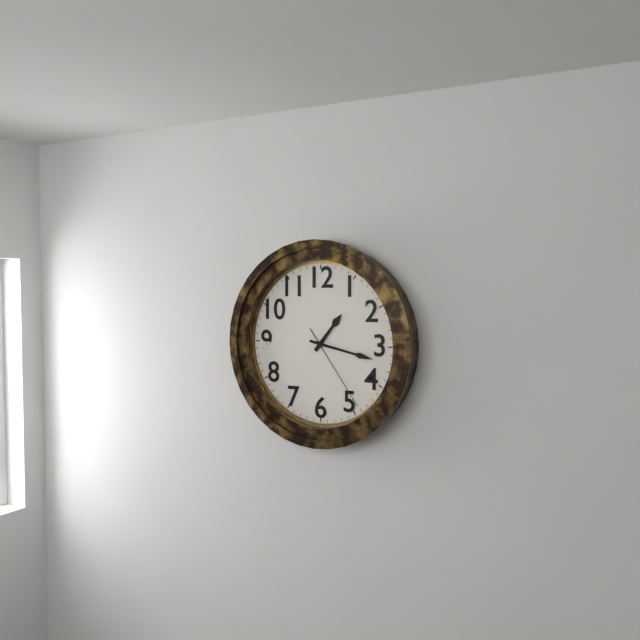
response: 1h17m24s
